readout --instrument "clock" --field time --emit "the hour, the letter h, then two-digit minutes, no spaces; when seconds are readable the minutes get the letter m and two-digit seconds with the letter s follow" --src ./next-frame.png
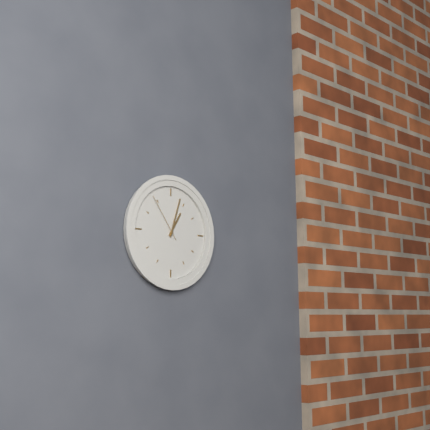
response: 1h03m54s
